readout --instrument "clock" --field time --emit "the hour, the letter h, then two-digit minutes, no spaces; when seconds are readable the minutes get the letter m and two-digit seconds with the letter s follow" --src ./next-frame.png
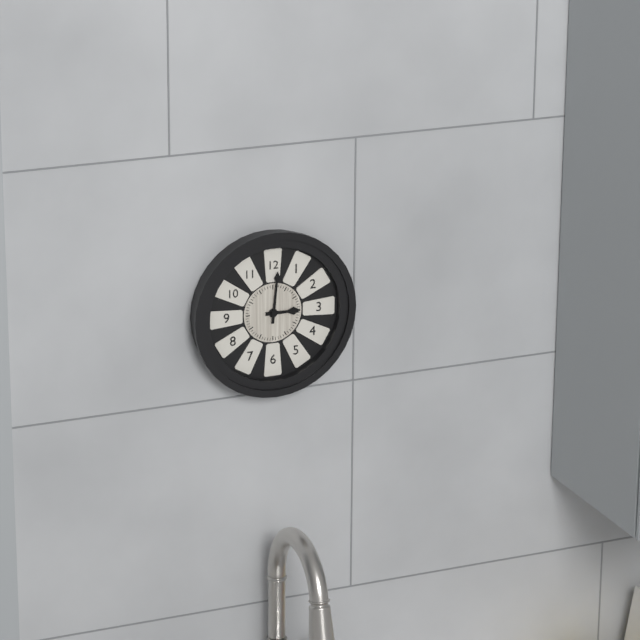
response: 3h01
